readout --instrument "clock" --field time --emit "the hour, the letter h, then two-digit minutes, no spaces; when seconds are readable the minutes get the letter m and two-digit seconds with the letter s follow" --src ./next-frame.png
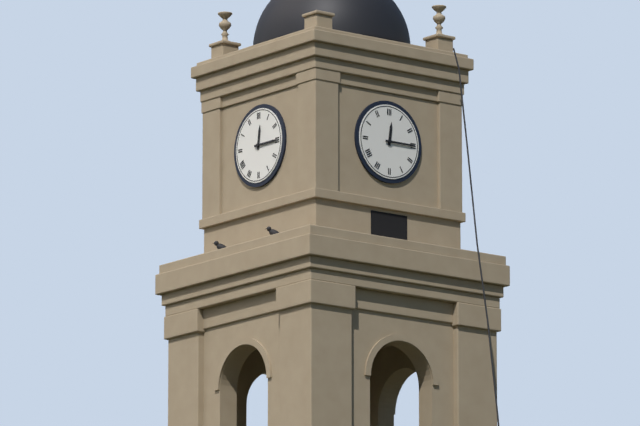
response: 12h15
